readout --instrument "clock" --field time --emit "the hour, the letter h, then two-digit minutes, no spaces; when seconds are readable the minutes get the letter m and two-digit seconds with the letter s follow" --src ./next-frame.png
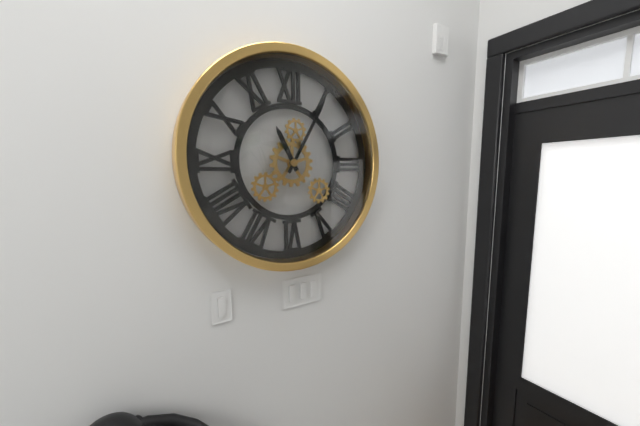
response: 11h05
